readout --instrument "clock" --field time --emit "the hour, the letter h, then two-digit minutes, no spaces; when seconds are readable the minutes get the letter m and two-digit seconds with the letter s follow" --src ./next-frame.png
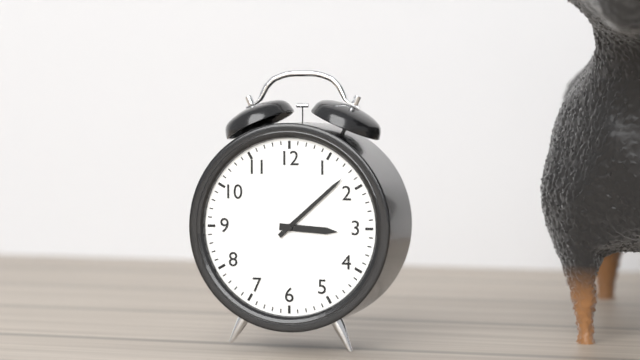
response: 3h08
